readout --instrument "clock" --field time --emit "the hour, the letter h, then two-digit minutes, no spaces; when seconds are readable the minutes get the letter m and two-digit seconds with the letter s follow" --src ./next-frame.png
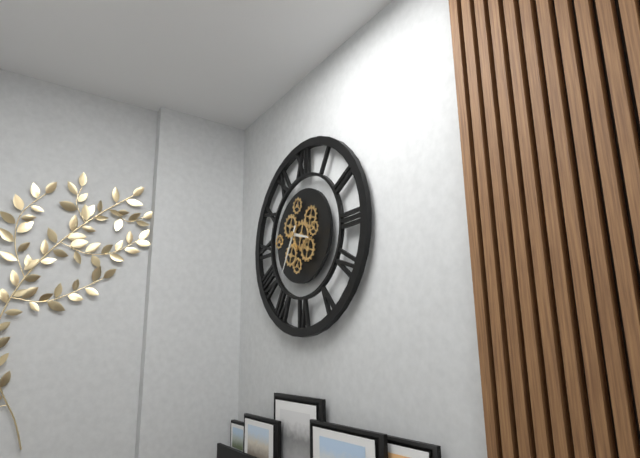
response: 3h35
